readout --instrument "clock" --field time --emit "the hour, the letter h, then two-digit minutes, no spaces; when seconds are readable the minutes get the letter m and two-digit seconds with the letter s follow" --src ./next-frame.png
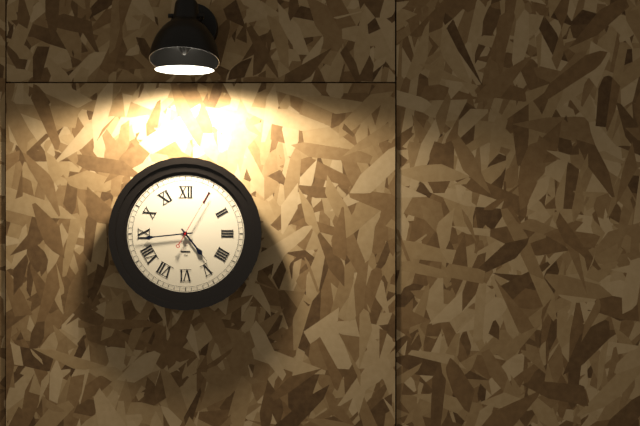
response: 4h44m05s
